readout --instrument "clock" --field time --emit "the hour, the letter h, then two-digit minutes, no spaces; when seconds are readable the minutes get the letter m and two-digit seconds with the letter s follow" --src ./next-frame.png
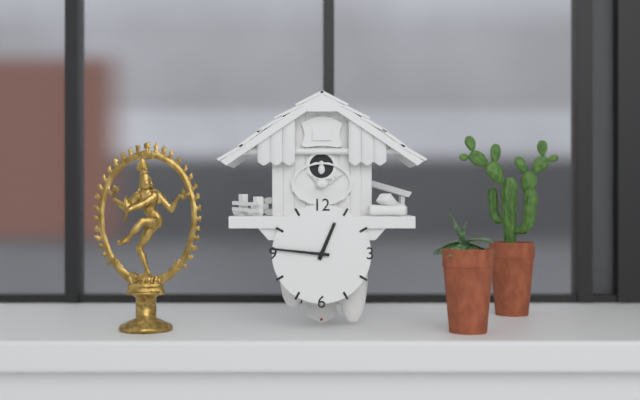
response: 12h46
